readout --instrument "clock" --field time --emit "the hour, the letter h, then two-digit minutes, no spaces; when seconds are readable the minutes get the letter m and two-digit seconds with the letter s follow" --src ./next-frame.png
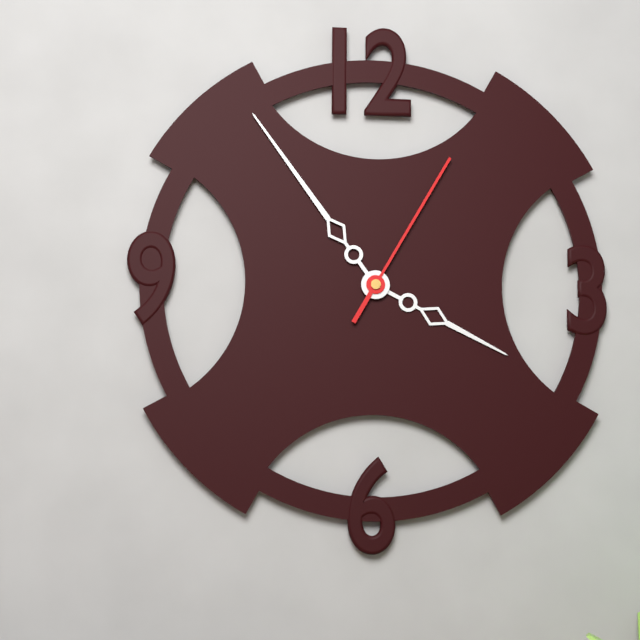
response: 3h54m05s
